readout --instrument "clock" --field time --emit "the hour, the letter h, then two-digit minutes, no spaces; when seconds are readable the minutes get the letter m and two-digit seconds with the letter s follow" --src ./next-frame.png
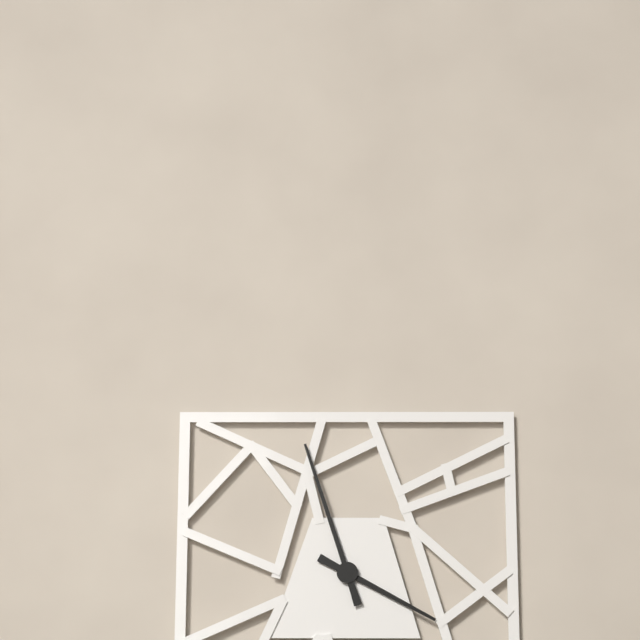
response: 3h57
